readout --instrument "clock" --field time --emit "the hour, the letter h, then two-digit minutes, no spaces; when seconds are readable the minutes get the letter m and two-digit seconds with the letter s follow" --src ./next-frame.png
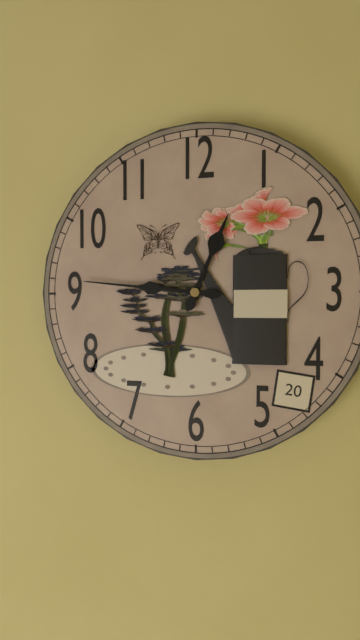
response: 12h46
